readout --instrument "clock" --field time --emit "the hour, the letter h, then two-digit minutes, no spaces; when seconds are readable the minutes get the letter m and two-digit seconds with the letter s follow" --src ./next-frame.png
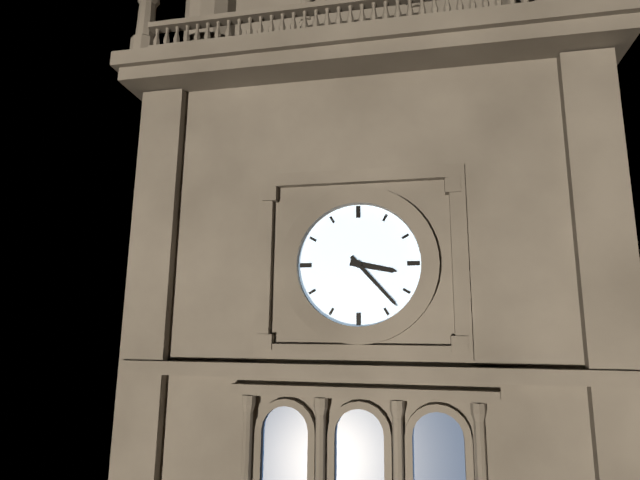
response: 3h23
